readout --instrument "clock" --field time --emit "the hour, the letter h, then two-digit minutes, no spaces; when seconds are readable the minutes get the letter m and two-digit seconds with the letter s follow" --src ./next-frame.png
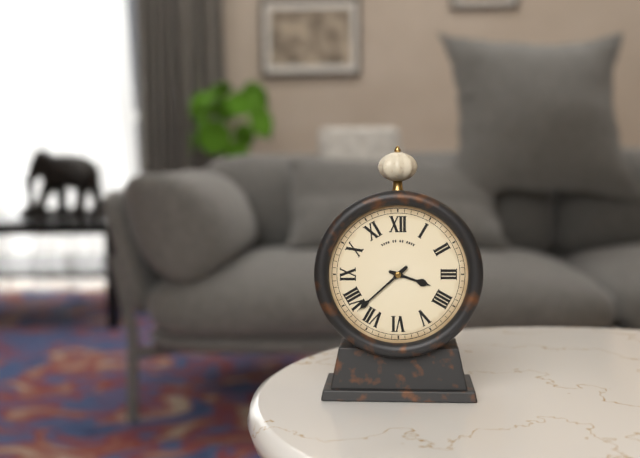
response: 3h38
